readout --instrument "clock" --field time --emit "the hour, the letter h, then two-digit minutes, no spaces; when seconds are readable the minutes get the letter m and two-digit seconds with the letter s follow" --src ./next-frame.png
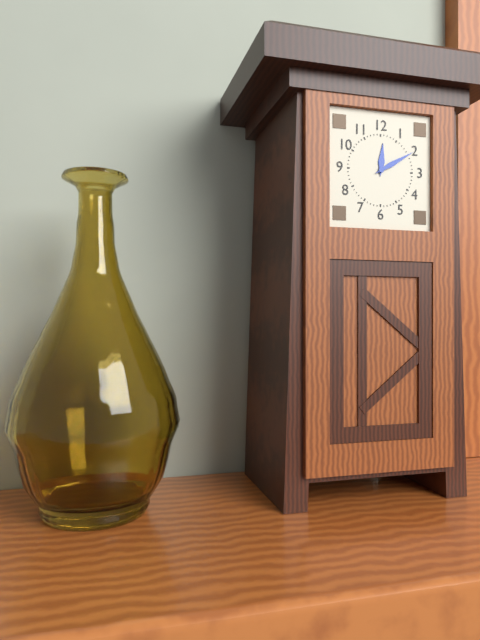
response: 12h10
